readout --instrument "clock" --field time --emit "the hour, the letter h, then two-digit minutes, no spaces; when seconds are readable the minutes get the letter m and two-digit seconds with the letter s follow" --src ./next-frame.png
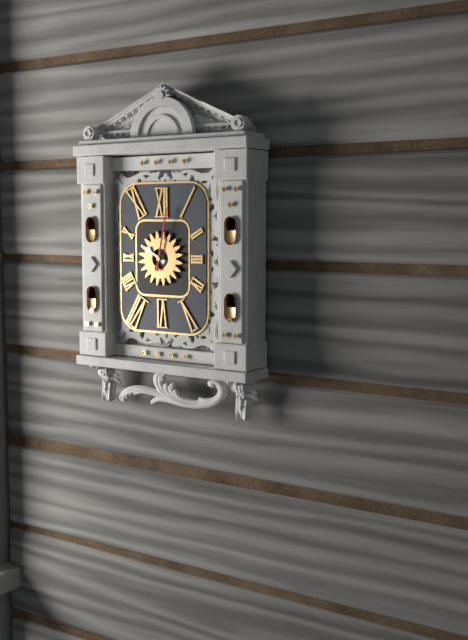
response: 10h02
